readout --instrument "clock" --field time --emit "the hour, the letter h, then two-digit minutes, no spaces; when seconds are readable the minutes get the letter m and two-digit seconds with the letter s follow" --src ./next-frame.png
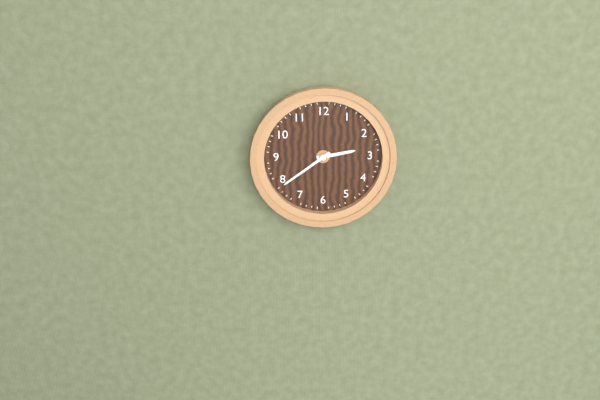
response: 2h39
